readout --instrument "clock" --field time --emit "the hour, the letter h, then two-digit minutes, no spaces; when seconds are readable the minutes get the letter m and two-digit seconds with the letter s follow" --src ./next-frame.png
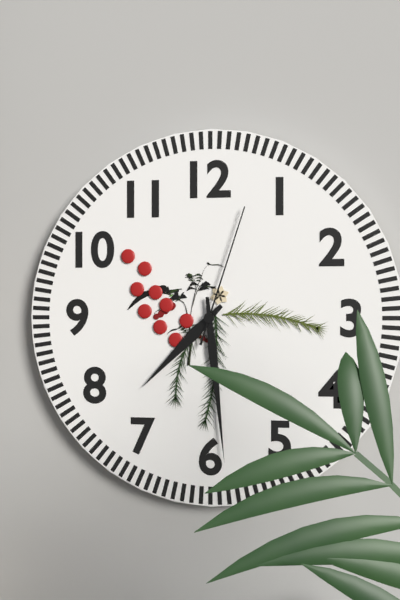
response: 7h29m03s
